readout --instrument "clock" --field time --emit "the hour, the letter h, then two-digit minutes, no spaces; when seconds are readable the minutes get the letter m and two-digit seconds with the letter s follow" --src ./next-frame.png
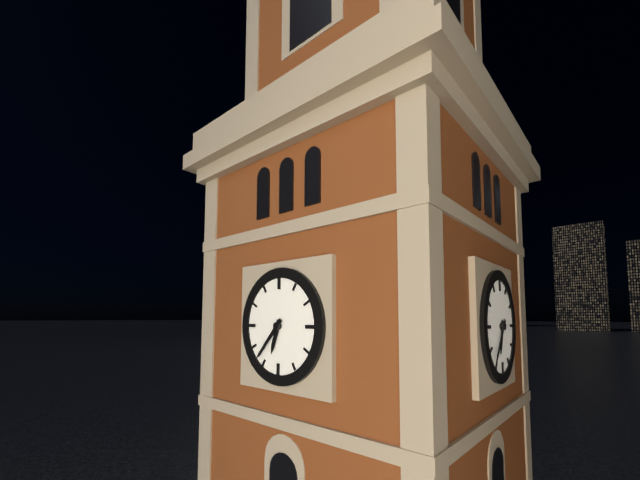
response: 6h37
